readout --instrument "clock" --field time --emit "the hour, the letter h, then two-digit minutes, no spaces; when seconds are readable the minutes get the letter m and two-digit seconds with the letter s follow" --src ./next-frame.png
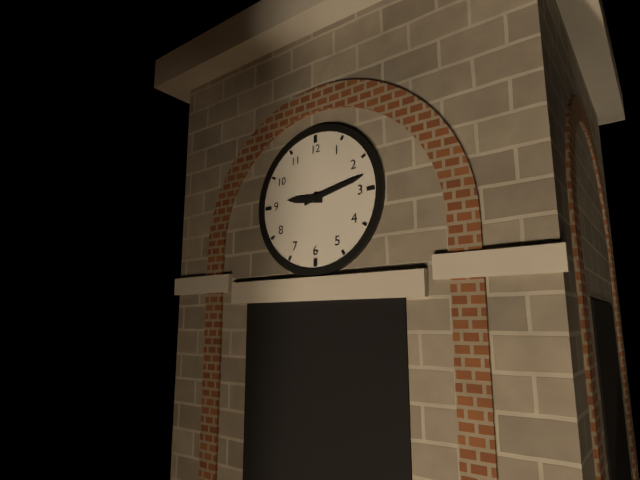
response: 9h13
